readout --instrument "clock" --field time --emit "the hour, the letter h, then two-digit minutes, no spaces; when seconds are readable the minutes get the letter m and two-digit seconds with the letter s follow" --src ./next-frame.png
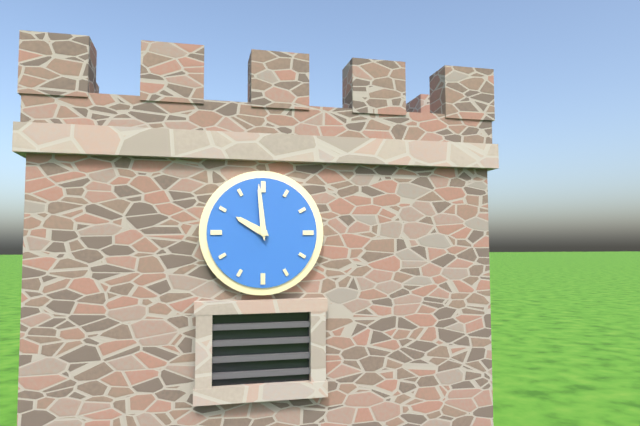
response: 9h59
